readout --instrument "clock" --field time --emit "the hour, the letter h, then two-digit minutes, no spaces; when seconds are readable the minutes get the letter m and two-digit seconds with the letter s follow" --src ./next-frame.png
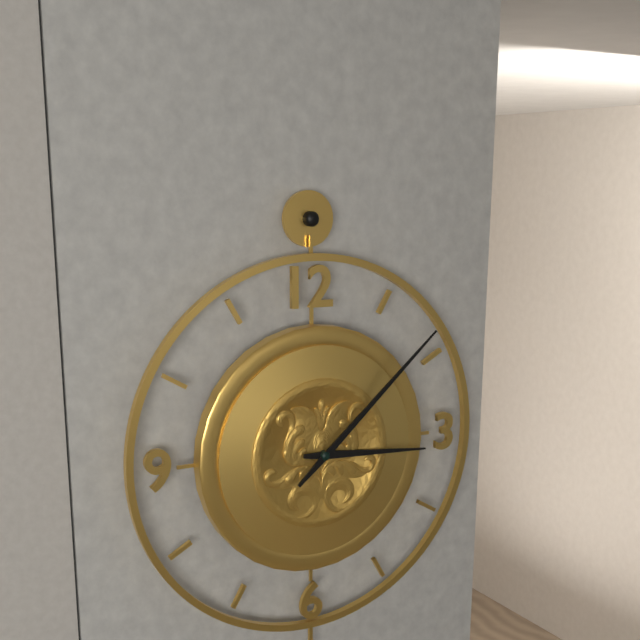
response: 3h08
